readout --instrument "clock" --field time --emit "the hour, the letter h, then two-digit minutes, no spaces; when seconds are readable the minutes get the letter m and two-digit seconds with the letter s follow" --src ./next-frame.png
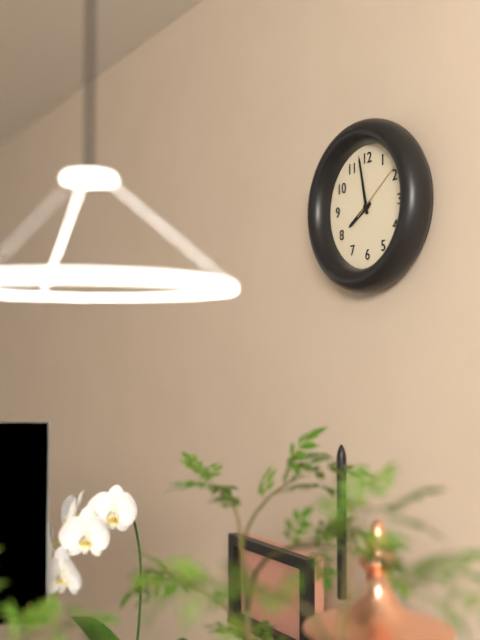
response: 7h58m09s
